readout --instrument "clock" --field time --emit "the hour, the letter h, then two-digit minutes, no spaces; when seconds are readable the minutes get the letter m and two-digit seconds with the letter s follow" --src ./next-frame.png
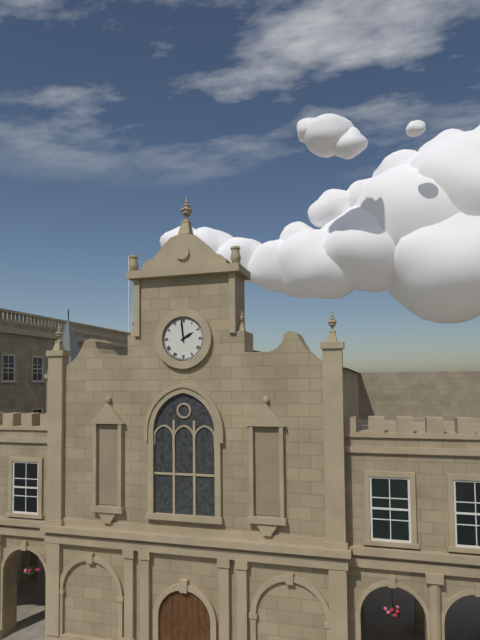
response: 1h59
